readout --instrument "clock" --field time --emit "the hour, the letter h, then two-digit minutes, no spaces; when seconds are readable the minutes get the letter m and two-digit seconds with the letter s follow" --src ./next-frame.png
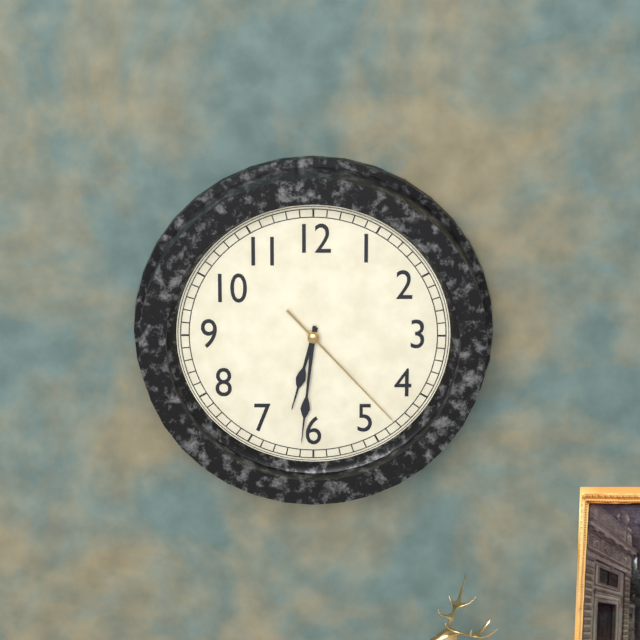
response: 6h31m23s
